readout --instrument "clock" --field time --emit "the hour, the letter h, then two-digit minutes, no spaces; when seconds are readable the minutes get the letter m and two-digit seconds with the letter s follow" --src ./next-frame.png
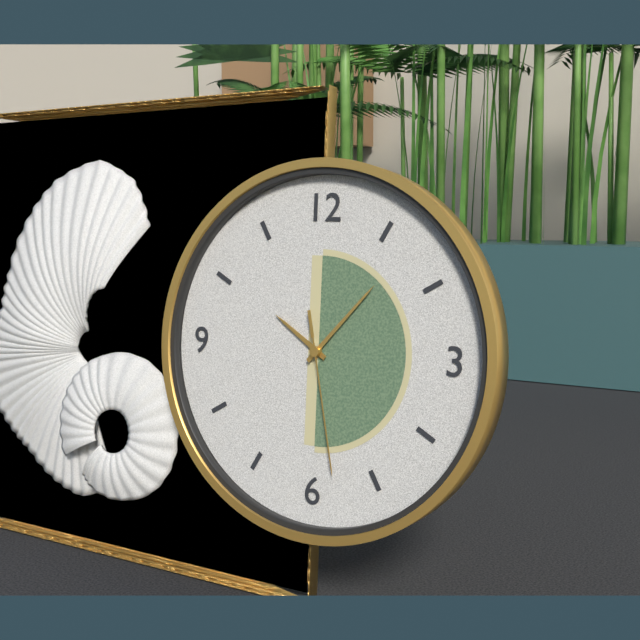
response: 10h07m28s
